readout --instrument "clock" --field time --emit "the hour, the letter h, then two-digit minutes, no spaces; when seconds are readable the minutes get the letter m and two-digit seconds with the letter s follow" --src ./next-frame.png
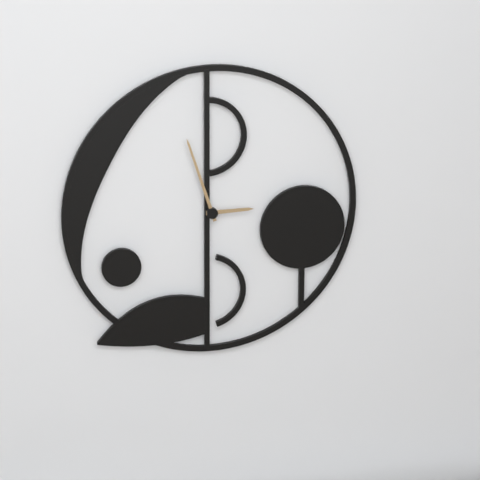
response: 2h57
